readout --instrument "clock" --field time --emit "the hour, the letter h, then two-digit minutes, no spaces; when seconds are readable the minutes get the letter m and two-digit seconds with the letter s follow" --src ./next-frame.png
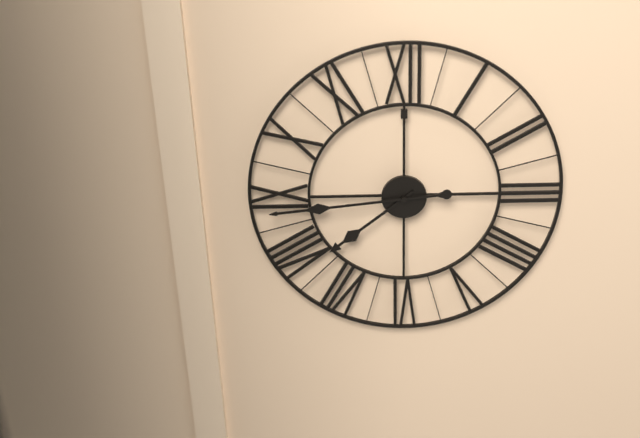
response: 7h44
